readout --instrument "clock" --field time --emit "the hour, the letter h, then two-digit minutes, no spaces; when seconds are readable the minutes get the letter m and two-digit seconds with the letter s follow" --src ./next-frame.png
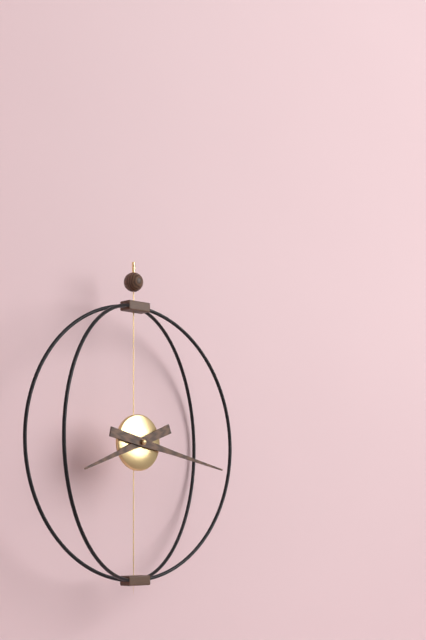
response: 8h17
